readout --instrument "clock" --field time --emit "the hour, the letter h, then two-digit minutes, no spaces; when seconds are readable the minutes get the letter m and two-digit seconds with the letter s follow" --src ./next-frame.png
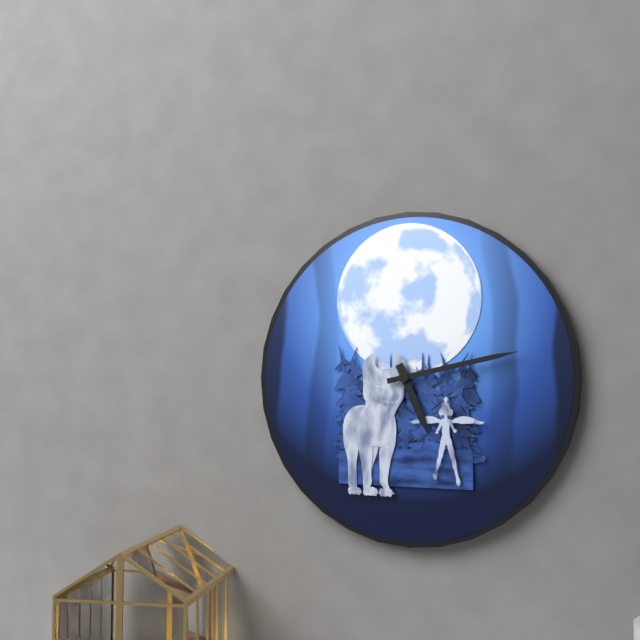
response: 5h13
